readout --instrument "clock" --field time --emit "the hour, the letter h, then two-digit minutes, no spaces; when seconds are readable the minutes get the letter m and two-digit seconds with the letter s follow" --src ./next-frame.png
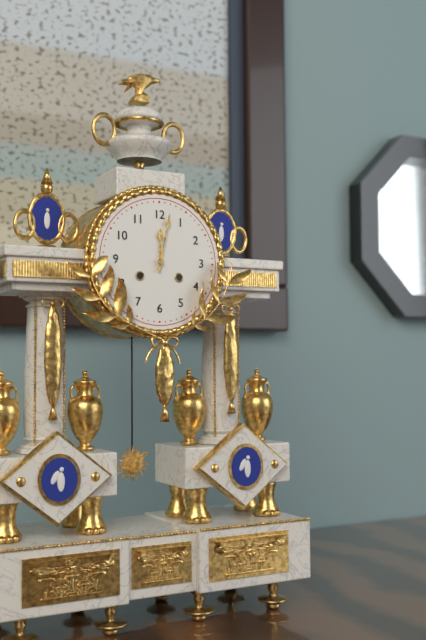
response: 12h02
